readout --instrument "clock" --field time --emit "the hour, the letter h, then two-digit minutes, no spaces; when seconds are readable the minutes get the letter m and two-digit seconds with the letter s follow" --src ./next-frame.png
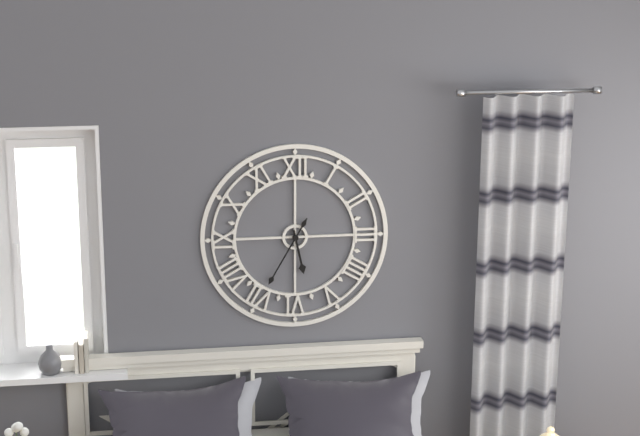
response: 5h35
